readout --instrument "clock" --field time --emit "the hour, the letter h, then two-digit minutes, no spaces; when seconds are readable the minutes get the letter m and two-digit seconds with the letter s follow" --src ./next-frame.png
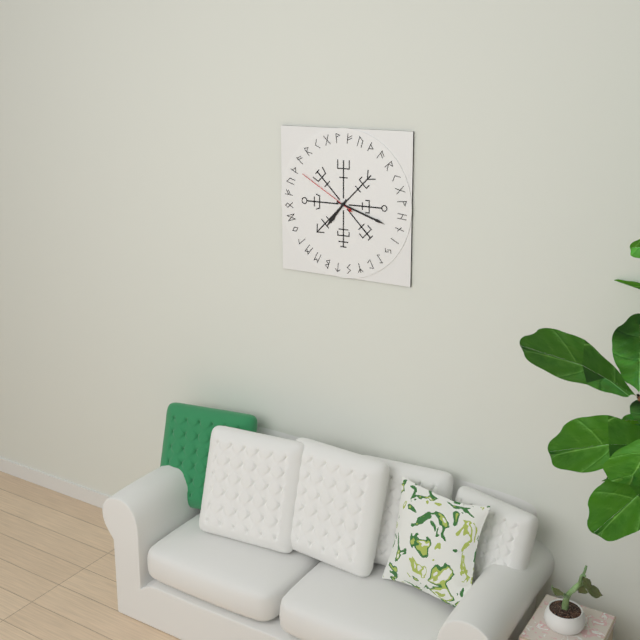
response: 7h18m50s
